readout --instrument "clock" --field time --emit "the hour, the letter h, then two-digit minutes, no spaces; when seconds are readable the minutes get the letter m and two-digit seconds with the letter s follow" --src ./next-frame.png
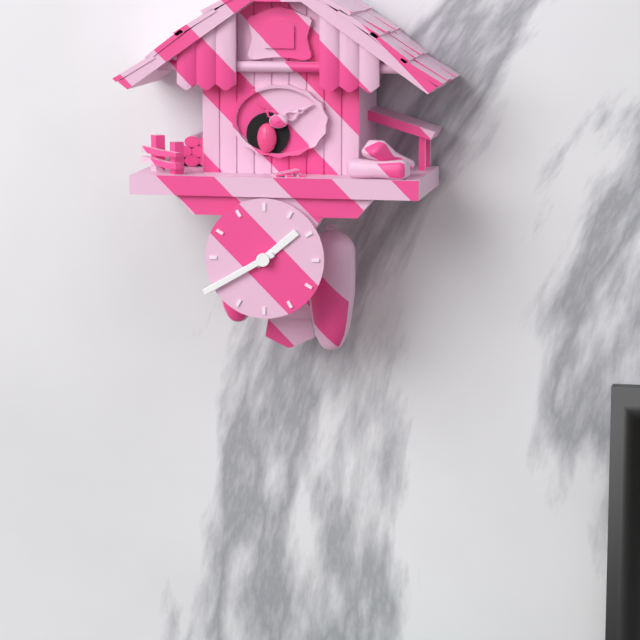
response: 1h40
